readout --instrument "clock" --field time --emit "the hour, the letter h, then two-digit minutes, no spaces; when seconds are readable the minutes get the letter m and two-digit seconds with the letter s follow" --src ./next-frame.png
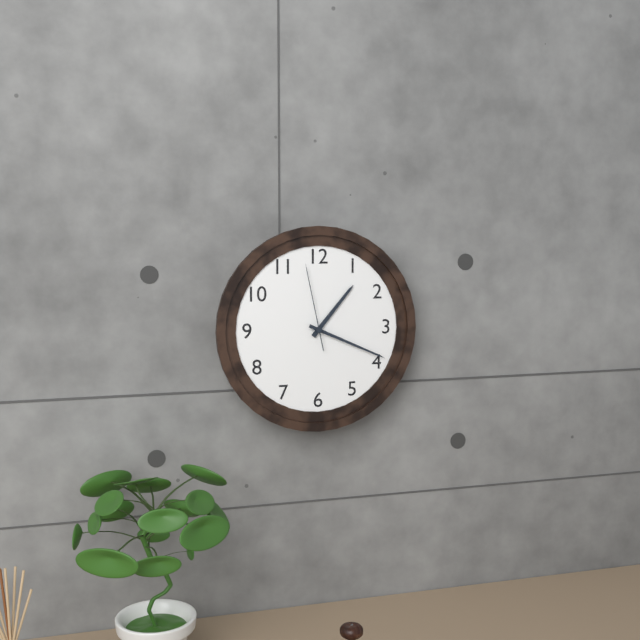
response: 1h19m58s
